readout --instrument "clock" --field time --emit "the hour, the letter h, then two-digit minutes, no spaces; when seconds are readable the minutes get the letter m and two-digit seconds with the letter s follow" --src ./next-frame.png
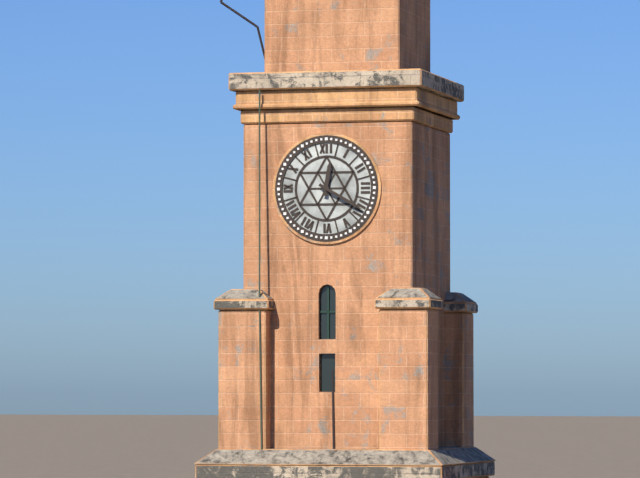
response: 12h20
